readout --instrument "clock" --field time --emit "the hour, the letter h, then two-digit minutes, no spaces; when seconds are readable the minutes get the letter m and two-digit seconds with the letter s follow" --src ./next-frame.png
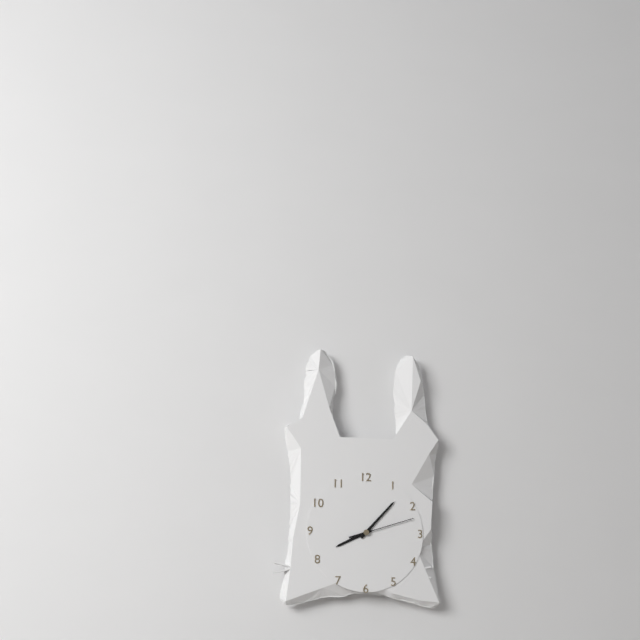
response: 8h07m12s
